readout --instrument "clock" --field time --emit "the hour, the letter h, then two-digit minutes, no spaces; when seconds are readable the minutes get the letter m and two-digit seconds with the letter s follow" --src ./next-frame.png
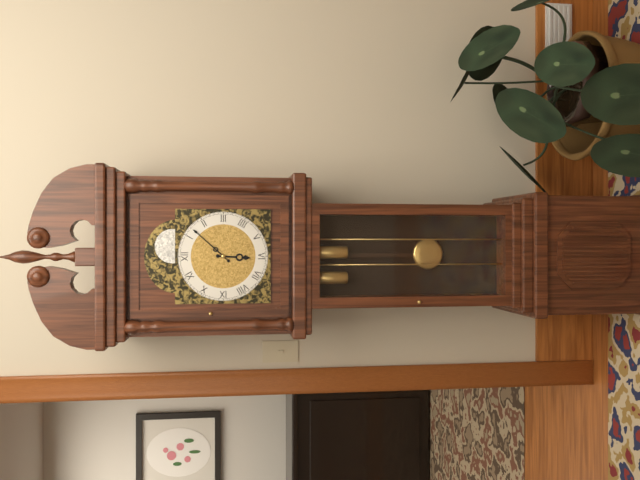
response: 6h07
